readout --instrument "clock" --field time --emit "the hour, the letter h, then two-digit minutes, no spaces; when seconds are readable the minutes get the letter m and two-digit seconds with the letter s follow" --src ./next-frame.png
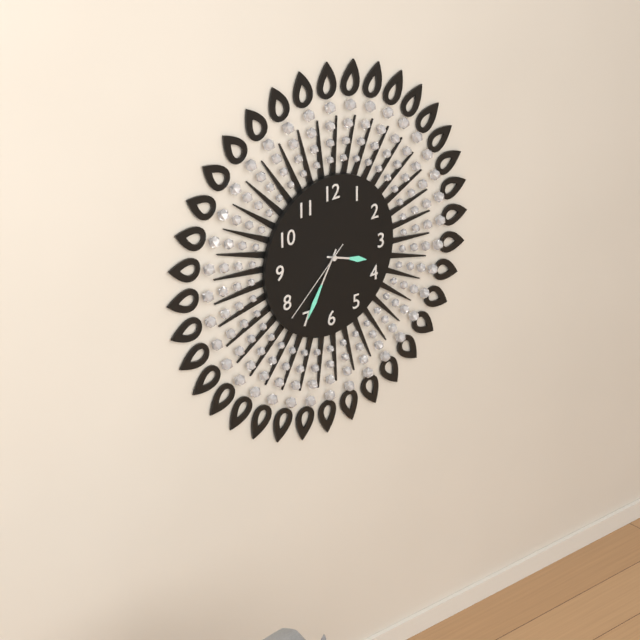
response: 3h35m38s
